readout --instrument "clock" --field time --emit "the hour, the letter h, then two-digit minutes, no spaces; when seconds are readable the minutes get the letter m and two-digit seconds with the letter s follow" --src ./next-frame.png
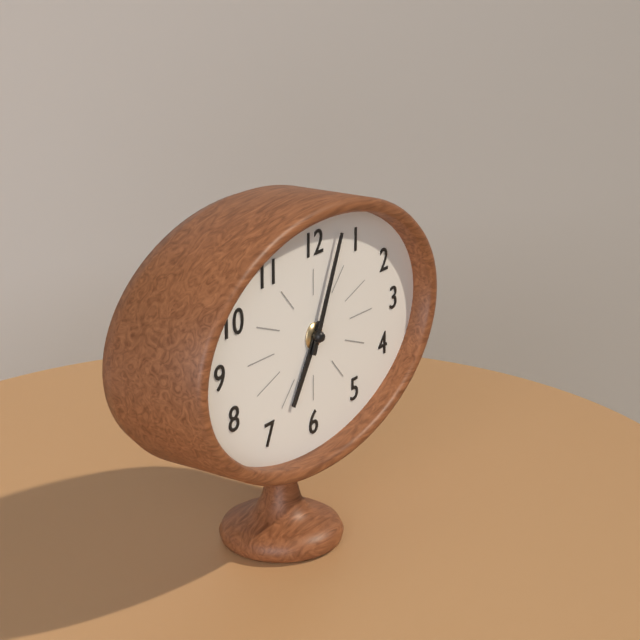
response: 7h04
